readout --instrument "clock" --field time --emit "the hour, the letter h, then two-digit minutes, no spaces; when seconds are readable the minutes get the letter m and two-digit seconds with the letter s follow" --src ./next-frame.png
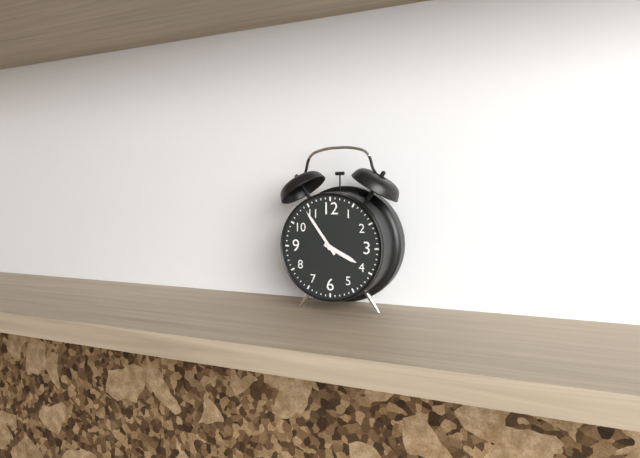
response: 3h54
